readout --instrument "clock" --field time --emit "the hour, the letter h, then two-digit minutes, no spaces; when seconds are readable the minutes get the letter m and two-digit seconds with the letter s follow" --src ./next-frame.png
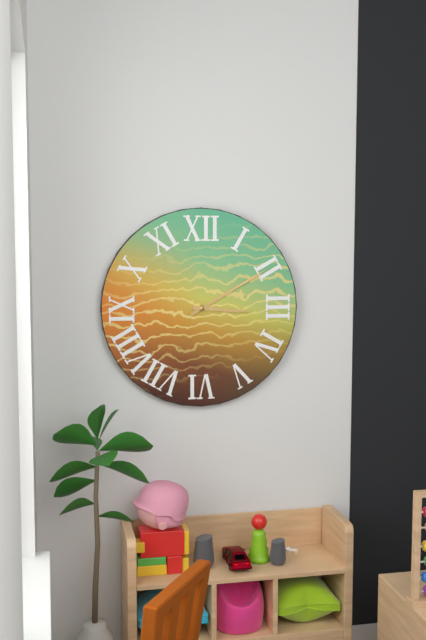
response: 3h10
